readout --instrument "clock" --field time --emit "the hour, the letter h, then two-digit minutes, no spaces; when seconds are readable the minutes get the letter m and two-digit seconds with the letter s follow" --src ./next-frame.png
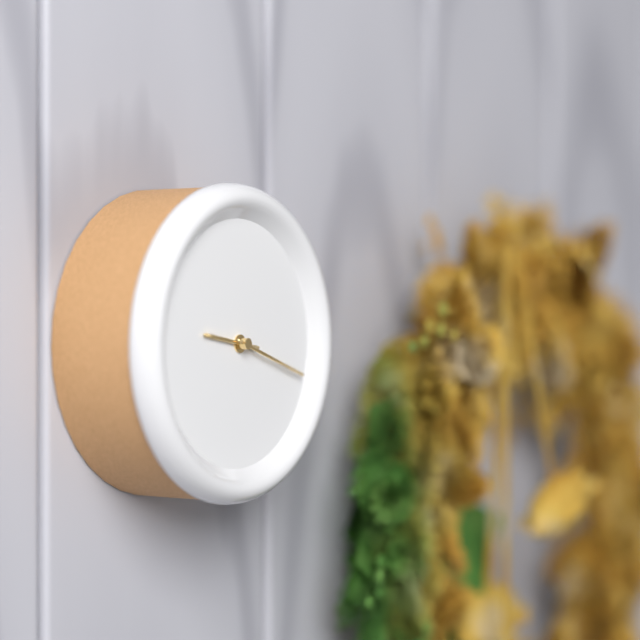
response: 9h18
